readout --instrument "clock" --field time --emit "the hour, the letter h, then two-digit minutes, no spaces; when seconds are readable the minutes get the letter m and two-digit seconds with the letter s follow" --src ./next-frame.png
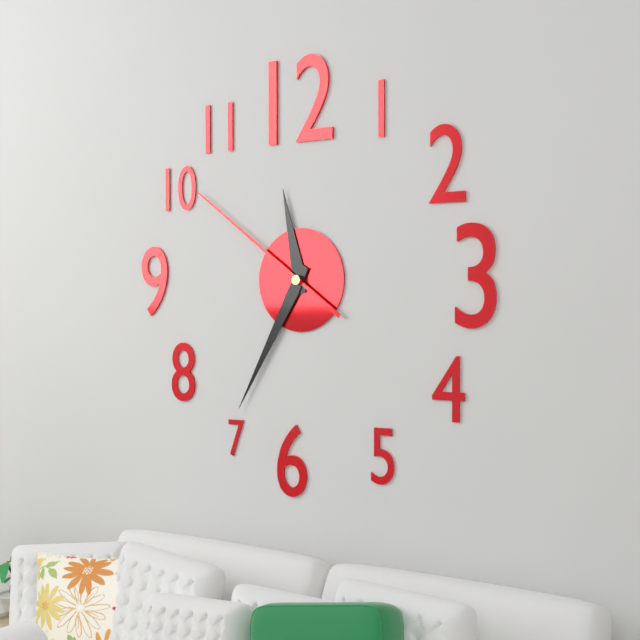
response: 11h35m51s
